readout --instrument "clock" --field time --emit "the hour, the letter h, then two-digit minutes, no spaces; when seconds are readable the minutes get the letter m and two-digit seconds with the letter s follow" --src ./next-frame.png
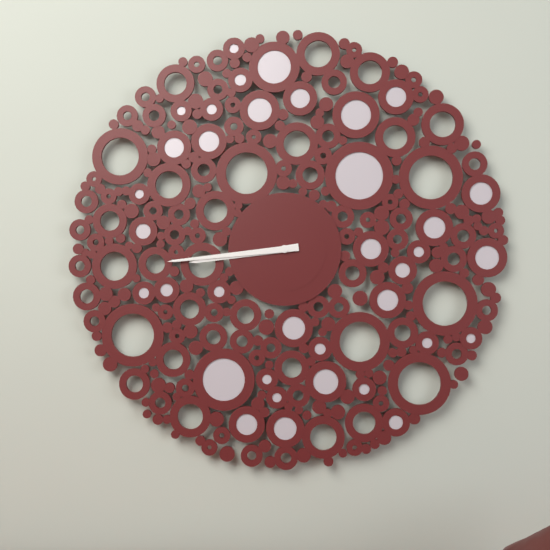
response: 8h44
